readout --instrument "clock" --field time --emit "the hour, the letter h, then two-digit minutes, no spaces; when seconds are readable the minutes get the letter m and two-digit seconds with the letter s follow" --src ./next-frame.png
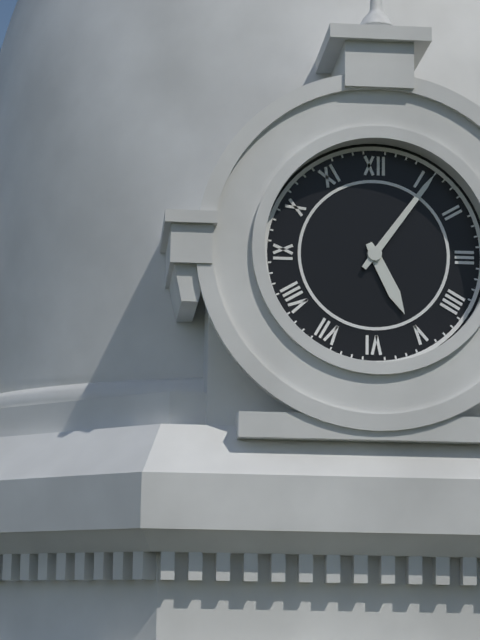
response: 5h06
